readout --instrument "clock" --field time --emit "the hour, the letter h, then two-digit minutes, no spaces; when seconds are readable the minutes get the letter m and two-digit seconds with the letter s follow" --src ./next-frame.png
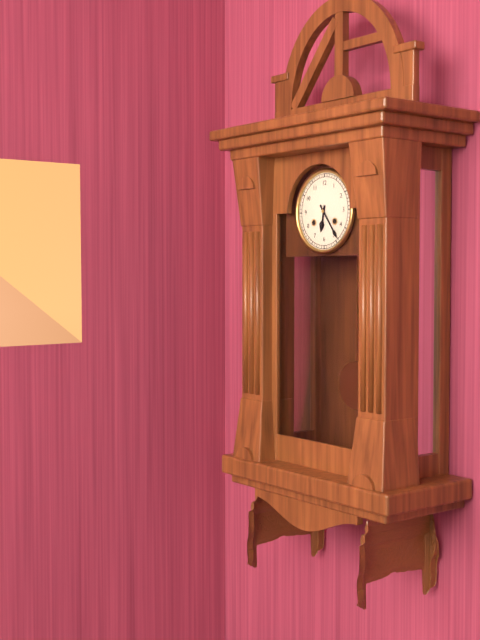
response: 6h24
